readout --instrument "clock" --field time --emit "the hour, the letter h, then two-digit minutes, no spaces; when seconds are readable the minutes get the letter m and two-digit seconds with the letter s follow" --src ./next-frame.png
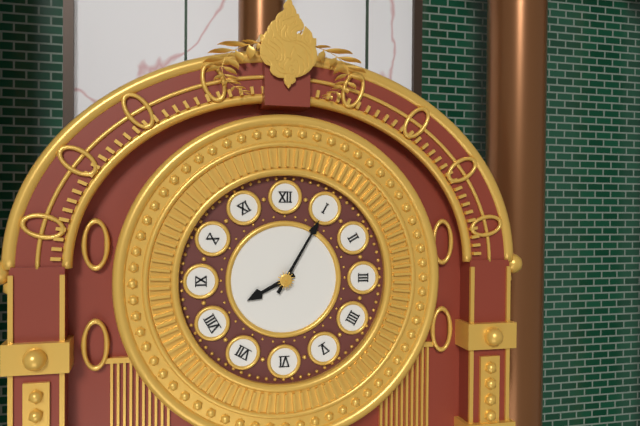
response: 8h05
